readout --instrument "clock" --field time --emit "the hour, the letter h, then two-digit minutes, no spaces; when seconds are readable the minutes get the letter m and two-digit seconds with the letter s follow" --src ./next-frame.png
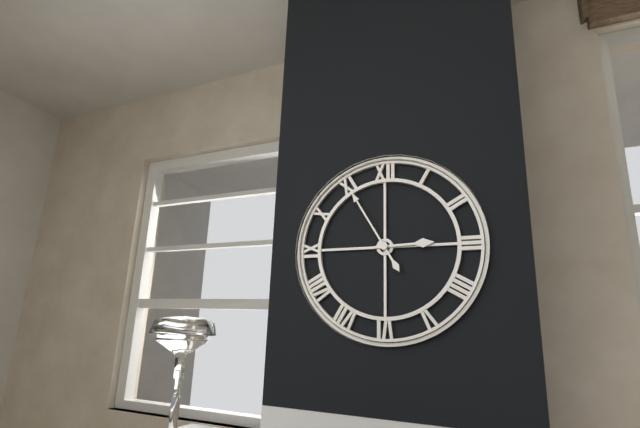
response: 2h55
